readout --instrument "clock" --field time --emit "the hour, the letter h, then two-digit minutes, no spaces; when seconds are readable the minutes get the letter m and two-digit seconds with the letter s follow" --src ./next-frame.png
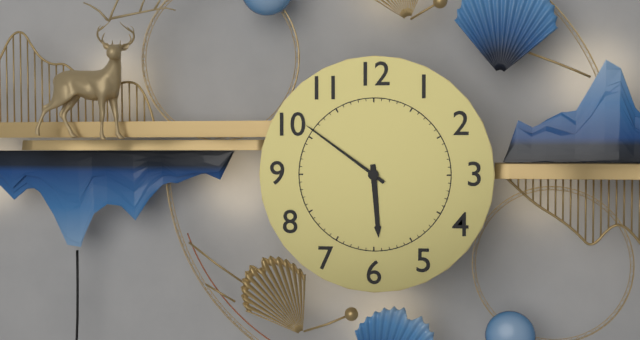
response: 5h51
